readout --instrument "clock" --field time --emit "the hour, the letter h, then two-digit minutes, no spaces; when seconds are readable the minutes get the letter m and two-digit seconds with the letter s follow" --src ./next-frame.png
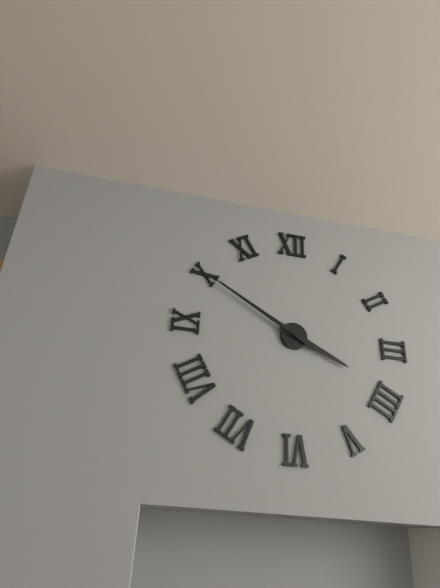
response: 3h50
